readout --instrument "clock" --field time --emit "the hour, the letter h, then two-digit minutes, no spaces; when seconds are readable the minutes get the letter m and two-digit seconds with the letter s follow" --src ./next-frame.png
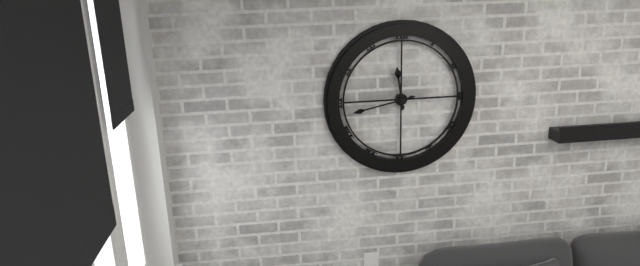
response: 11h43
